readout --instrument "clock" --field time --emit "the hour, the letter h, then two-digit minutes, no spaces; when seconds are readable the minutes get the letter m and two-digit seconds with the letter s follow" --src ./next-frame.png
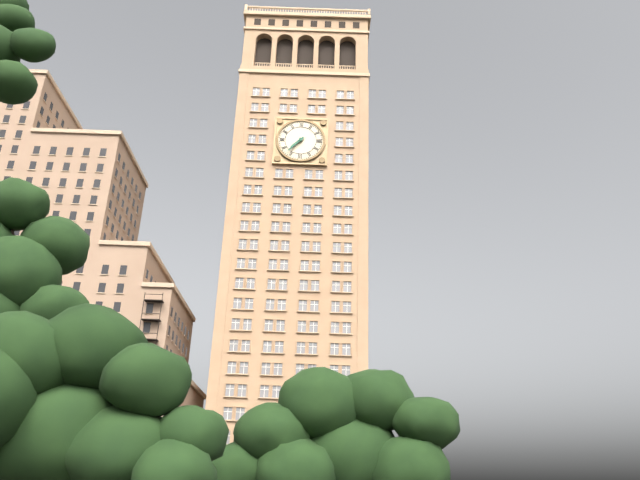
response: 7h37
